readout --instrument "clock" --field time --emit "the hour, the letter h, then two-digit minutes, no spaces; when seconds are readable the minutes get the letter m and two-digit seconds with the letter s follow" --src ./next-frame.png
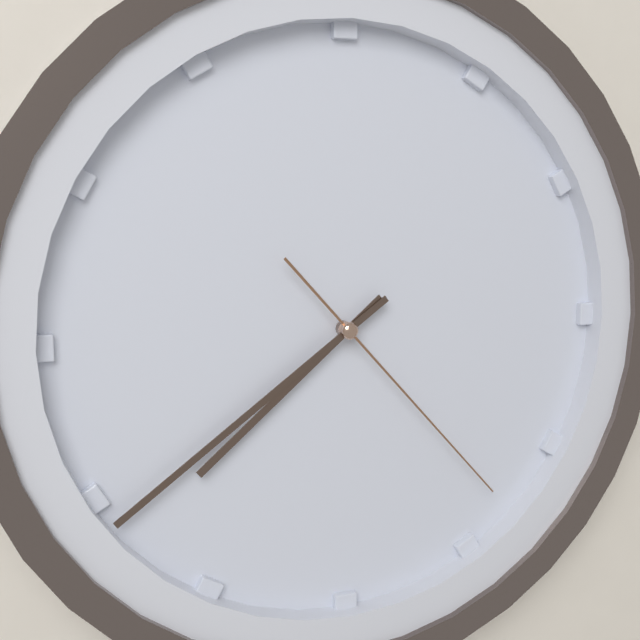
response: 7h39m23s
